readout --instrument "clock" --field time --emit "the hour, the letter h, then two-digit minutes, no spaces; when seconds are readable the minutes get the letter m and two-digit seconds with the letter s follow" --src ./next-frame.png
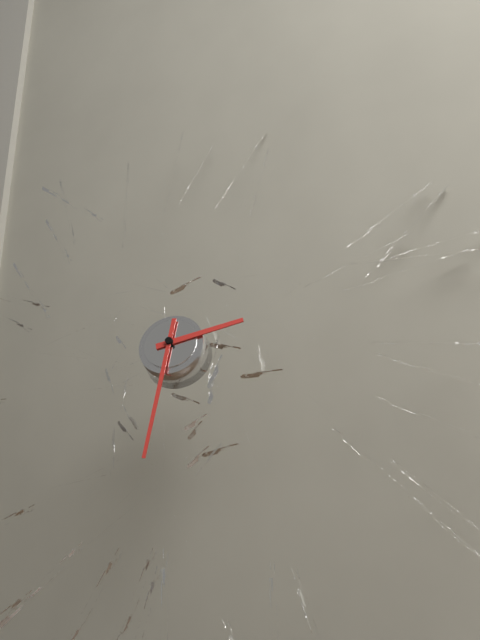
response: 2h31
